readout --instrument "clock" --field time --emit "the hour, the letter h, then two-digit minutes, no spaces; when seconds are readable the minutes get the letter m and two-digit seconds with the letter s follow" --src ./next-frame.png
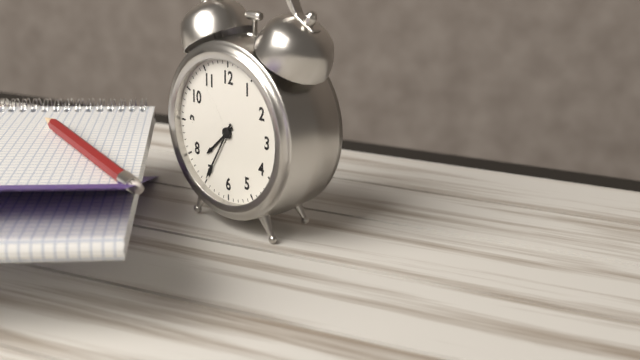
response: 7h35
